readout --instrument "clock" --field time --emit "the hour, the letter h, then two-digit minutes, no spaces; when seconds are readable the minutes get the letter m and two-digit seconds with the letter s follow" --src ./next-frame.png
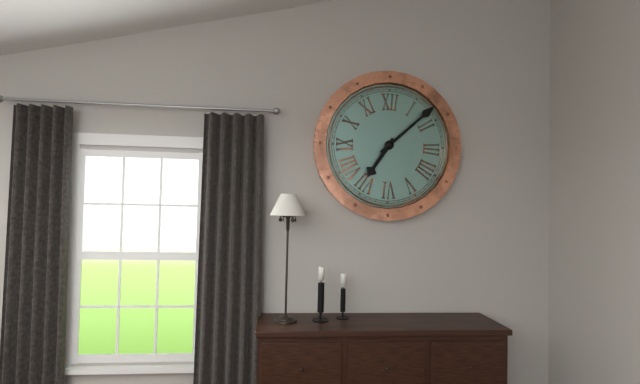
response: 7h08
